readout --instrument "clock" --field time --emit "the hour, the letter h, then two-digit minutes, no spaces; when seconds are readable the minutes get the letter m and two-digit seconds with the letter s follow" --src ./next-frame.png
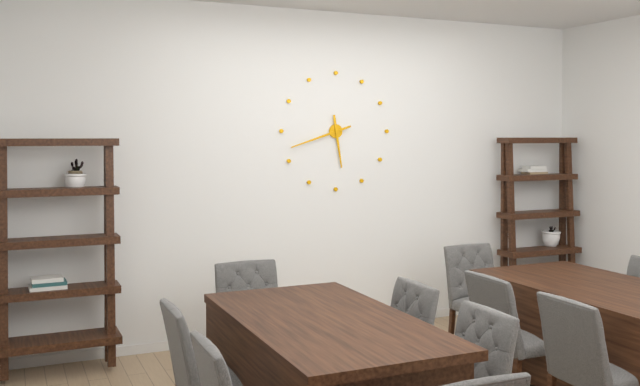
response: 5h42
